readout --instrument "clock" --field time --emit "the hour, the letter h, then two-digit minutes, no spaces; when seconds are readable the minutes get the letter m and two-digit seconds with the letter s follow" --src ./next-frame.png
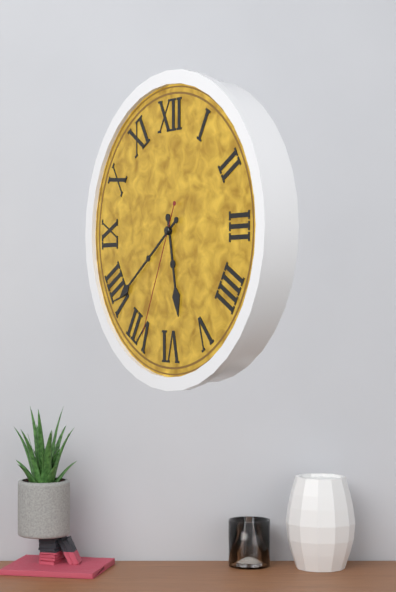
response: 5h39m34s
